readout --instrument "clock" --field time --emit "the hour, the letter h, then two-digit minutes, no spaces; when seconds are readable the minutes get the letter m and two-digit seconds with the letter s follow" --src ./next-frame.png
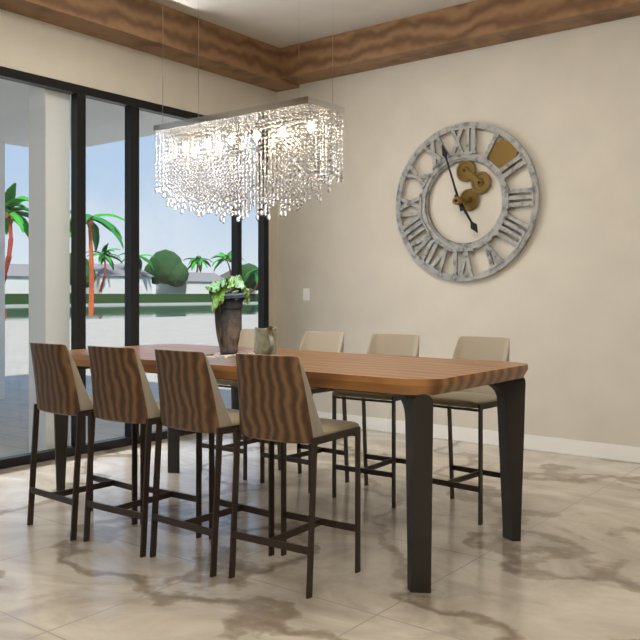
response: 4h57
